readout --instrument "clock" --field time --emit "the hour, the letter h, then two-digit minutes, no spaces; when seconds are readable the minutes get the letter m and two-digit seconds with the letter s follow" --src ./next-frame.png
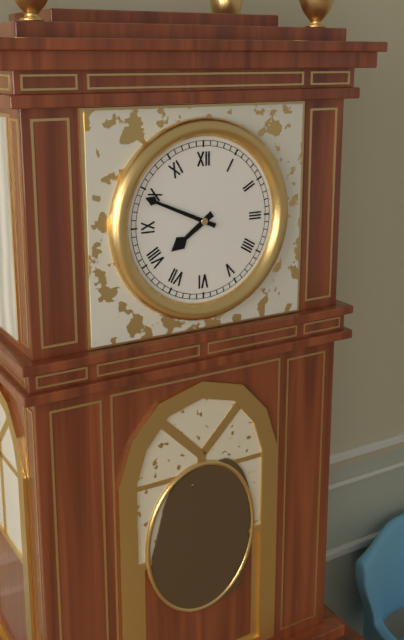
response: 7h49
